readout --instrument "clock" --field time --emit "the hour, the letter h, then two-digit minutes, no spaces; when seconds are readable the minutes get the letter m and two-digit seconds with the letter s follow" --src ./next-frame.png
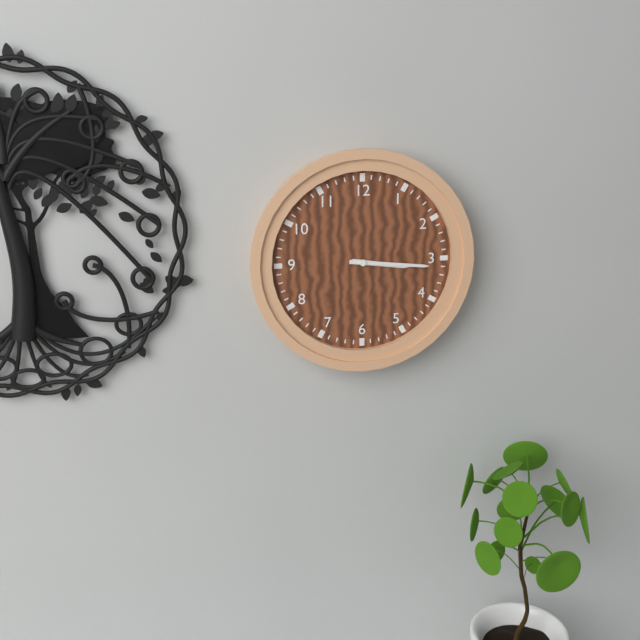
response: 3h16
